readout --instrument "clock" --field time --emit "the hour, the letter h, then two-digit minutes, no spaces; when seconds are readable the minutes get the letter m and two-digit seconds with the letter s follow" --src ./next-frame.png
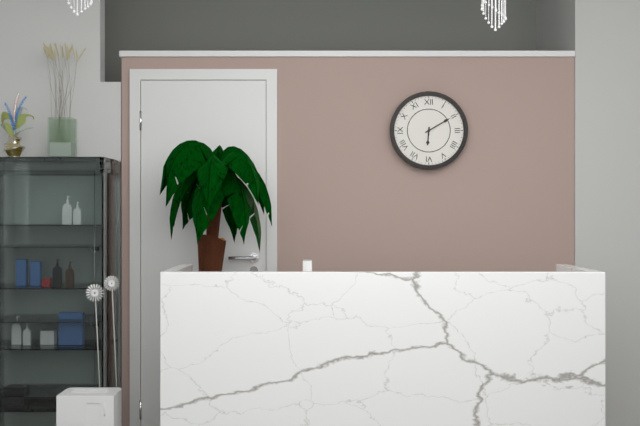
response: 6h10
